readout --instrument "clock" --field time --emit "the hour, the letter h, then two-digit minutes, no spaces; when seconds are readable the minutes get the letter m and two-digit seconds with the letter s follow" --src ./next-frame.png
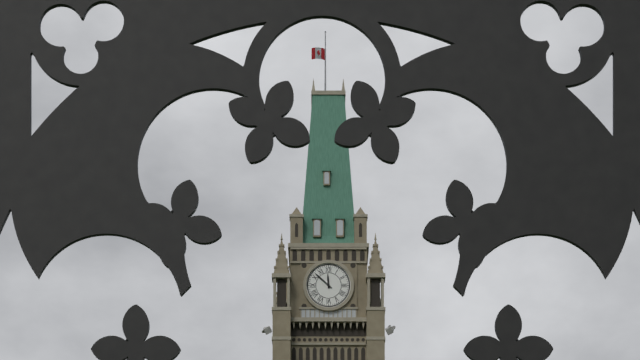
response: 11h52
